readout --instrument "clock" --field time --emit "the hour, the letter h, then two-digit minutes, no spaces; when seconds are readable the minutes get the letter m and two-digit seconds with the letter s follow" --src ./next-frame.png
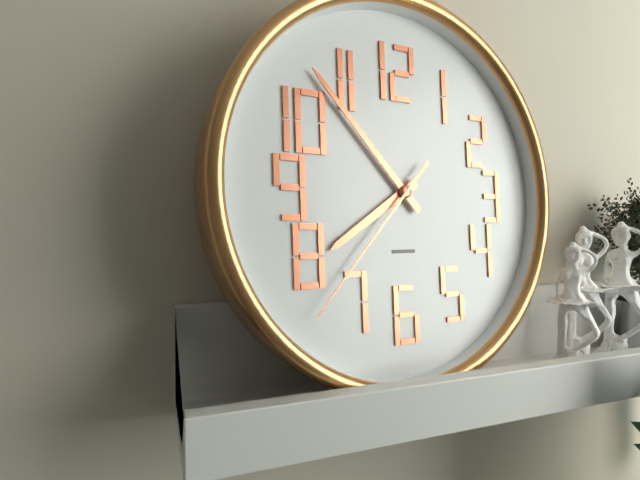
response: 7h53m37s
